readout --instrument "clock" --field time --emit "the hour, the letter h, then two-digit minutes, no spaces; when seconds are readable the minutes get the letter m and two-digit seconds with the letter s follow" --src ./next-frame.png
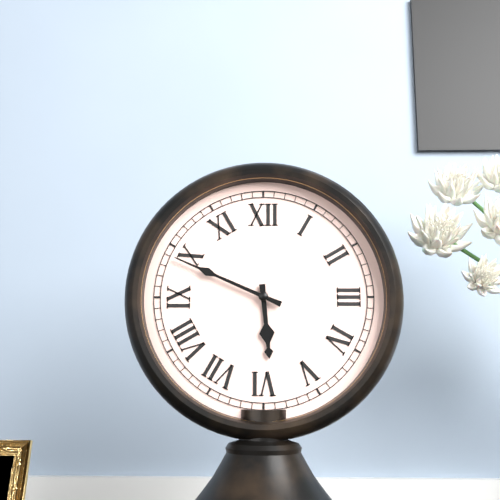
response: 5h49
